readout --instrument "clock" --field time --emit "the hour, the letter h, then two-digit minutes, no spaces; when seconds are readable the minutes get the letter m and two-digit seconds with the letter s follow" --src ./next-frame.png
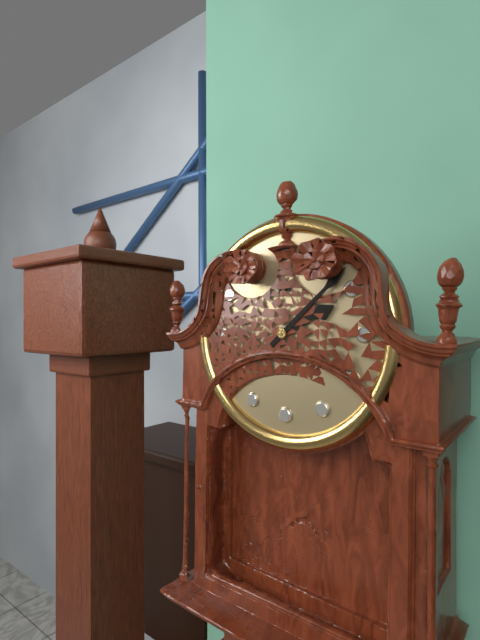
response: 2h08
